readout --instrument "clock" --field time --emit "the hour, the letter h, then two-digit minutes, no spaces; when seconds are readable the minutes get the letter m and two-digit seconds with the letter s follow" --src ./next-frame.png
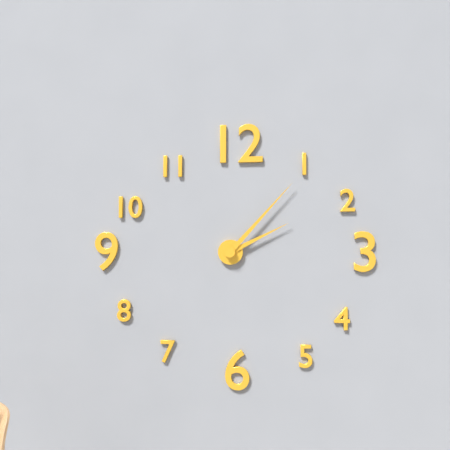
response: 2h07
